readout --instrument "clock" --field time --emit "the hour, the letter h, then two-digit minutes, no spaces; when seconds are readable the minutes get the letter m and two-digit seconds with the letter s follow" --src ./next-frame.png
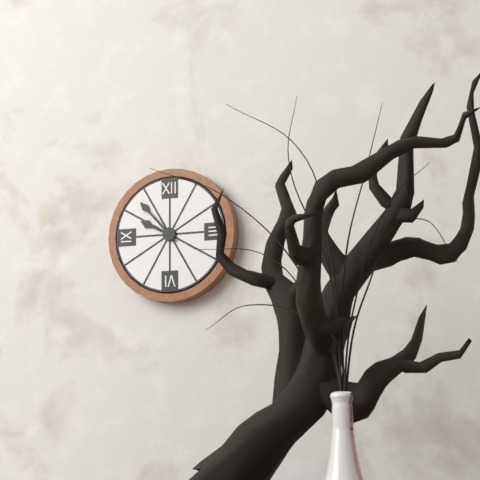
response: 9h53
